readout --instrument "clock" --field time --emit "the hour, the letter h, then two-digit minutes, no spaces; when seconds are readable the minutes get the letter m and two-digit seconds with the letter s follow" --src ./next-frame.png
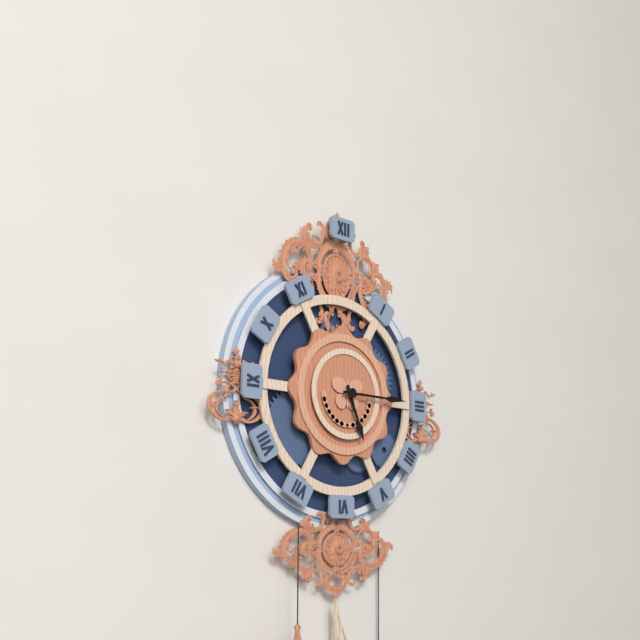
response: 5h15
